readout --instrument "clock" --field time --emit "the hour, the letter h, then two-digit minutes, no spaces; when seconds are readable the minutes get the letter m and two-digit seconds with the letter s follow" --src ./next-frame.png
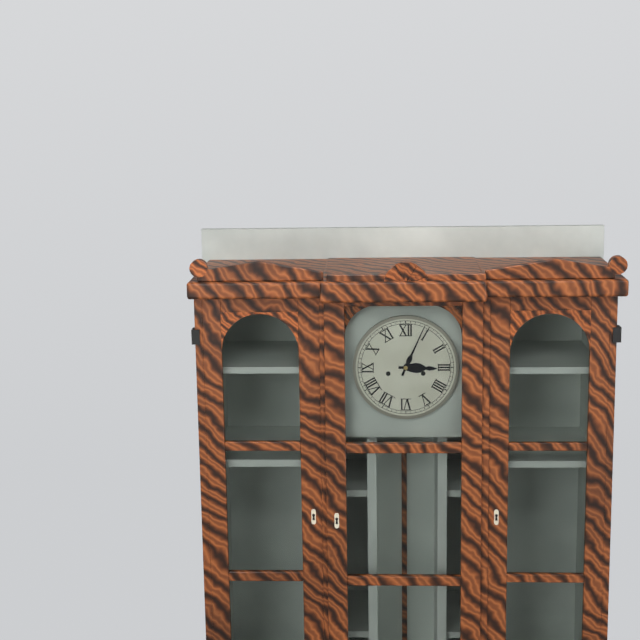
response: 3h04
